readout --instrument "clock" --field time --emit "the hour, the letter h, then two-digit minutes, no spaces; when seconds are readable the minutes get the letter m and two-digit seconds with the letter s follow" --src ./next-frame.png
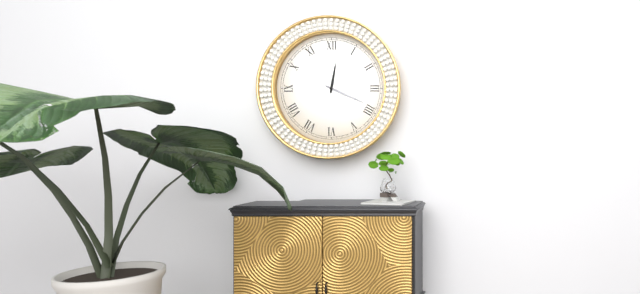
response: 12h19
